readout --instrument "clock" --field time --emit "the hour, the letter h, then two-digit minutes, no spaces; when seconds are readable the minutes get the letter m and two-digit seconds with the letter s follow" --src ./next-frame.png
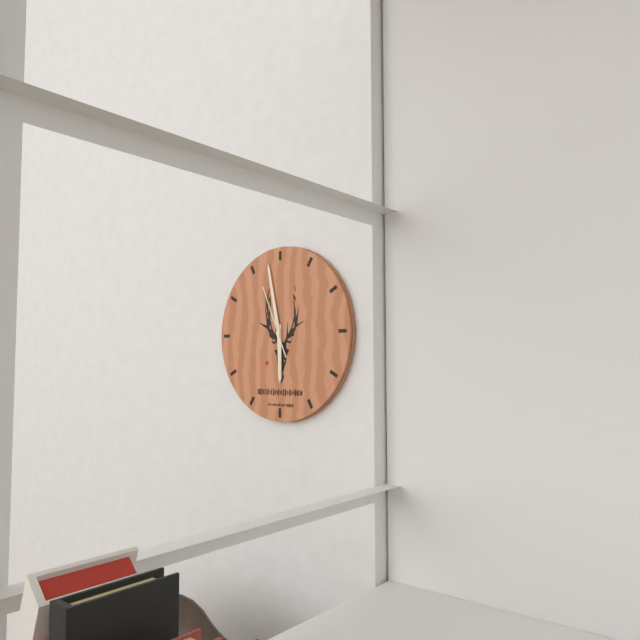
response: 5h58m56s
